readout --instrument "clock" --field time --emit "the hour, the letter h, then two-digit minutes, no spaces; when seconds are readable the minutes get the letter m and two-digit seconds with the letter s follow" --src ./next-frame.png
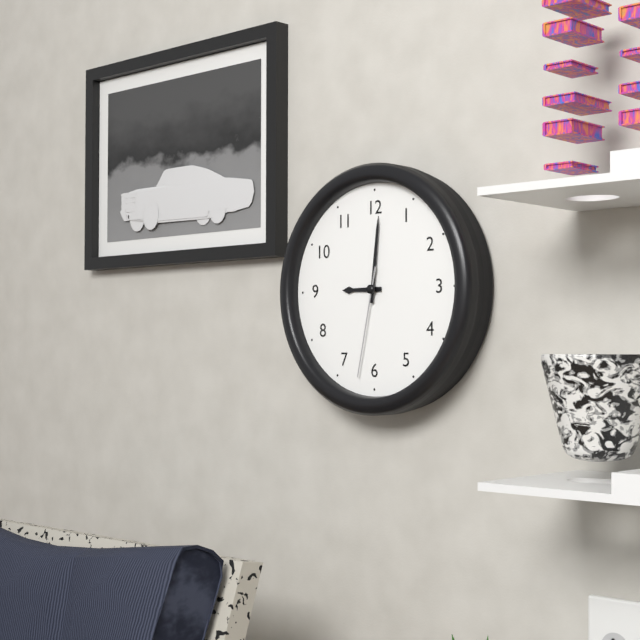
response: 9h01m32s
